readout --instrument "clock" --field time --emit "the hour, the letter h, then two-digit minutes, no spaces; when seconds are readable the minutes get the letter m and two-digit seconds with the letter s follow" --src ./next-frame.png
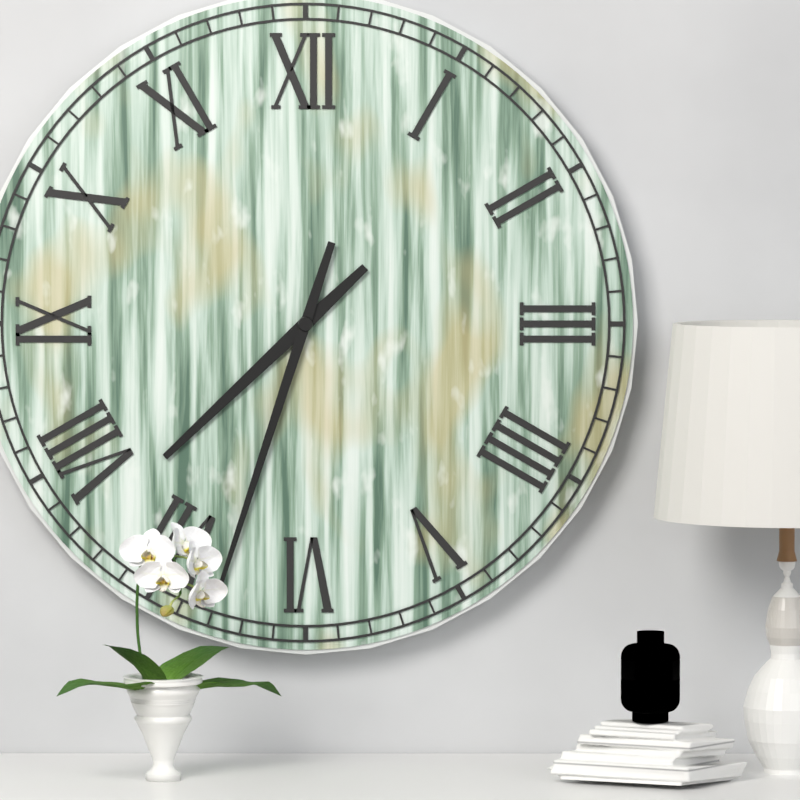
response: 7h33
